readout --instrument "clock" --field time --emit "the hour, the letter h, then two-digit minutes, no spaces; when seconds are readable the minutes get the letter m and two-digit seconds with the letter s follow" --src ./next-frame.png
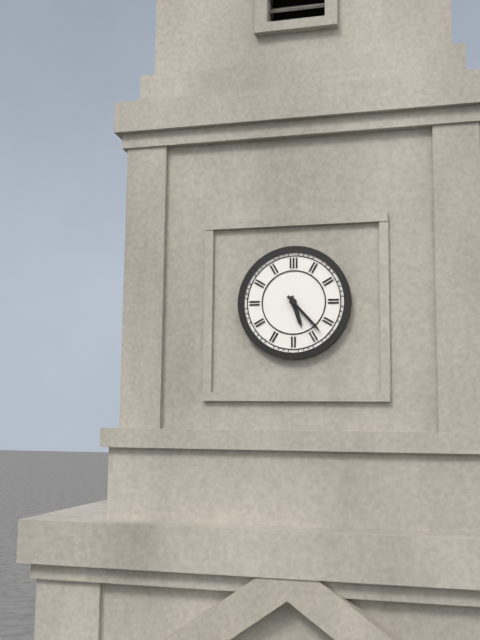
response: 5h23
